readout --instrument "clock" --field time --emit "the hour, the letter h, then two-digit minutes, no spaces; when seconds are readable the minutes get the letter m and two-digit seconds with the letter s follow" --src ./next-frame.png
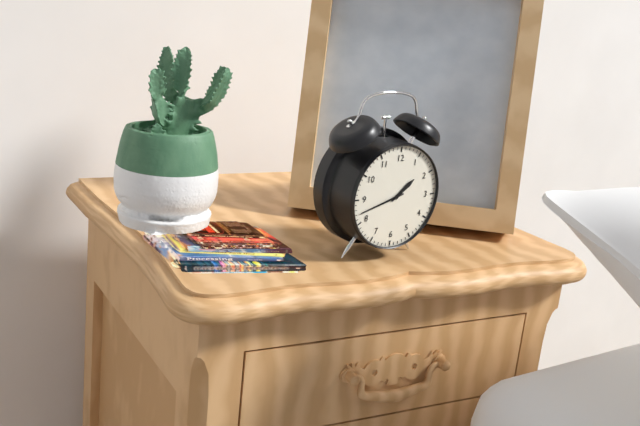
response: 1h42
